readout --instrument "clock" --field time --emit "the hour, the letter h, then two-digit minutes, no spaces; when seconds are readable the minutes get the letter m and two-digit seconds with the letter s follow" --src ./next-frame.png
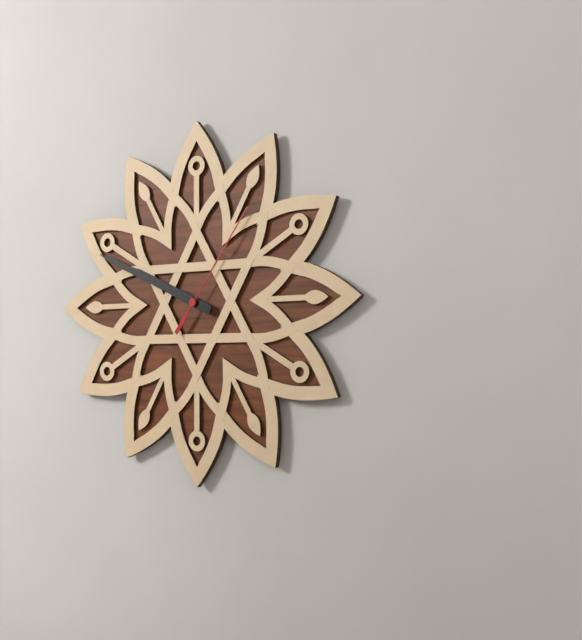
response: 9h49m06s
